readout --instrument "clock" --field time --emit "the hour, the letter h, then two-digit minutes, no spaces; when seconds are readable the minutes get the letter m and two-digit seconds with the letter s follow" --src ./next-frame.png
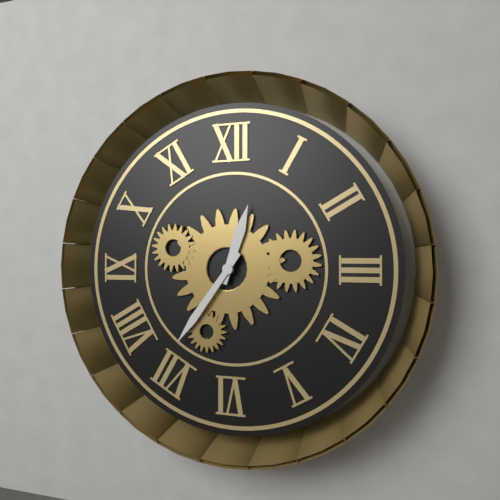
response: 12h36
